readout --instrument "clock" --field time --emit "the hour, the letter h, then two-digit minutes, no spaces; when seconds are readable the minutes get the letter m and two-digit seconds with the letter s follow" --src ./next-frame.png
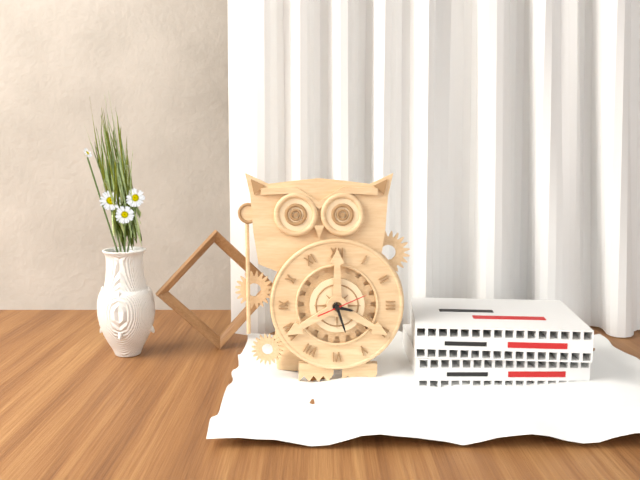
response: 3h27
